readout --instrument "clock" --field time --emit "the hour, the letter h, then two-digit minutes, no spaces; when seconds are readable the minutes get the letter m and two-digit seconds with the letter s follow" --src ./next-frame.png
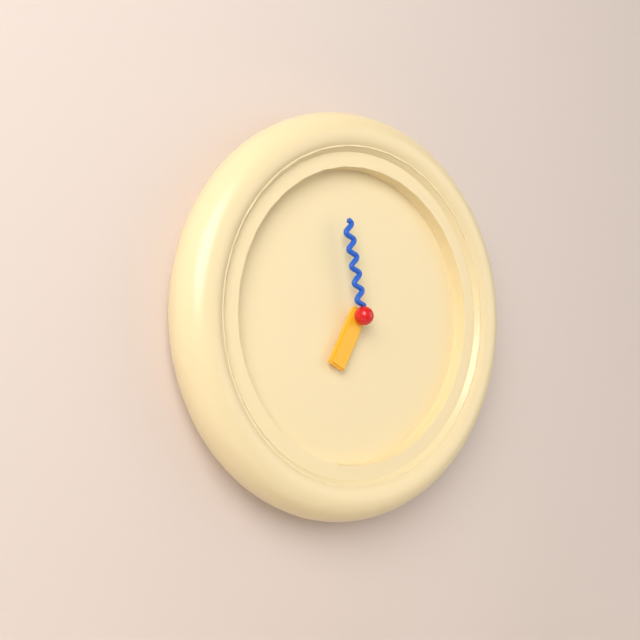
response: 6h58
